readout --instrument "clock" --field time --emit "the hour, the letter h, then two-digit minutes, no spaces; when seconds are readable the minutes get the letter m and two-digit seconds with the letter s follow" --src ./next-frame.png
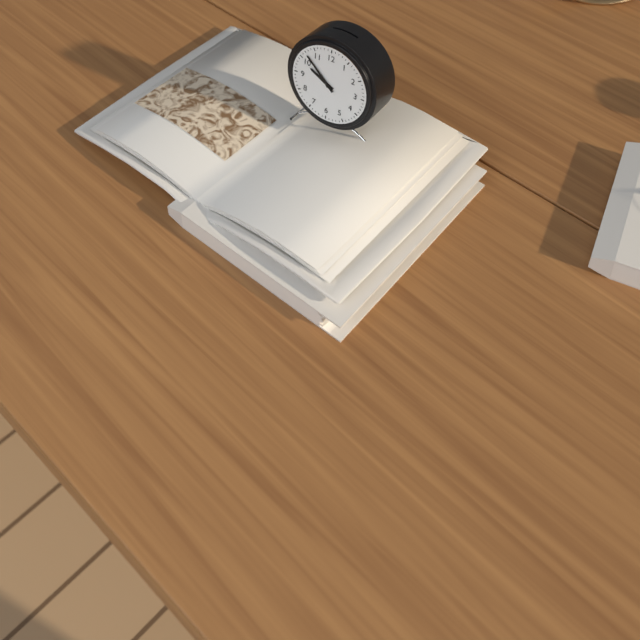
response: 9h52
